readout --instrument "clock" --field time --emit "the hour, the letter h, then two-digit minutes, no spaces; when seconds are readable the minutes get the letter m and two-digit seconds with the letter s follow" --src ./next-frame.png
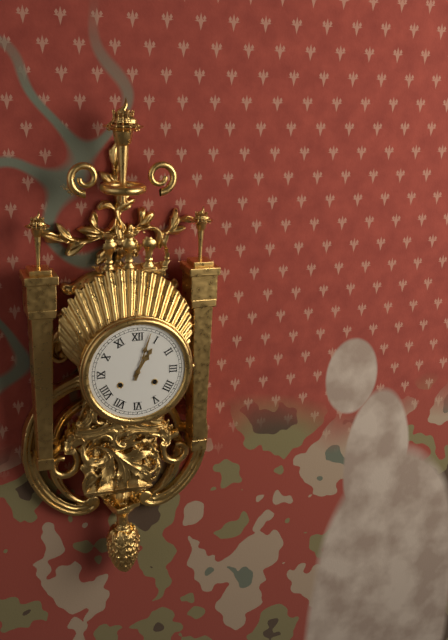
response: 1h03
